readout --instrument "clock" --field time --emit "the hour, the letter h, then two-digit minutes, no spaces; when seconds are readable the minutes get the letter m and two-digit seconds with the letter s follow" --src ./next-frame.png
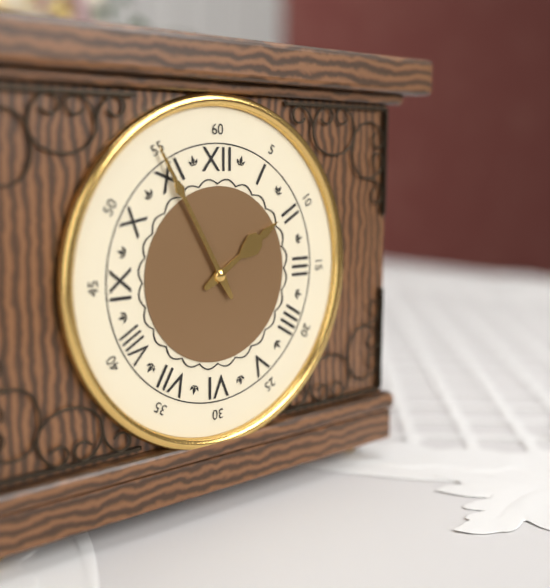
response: 1h55
